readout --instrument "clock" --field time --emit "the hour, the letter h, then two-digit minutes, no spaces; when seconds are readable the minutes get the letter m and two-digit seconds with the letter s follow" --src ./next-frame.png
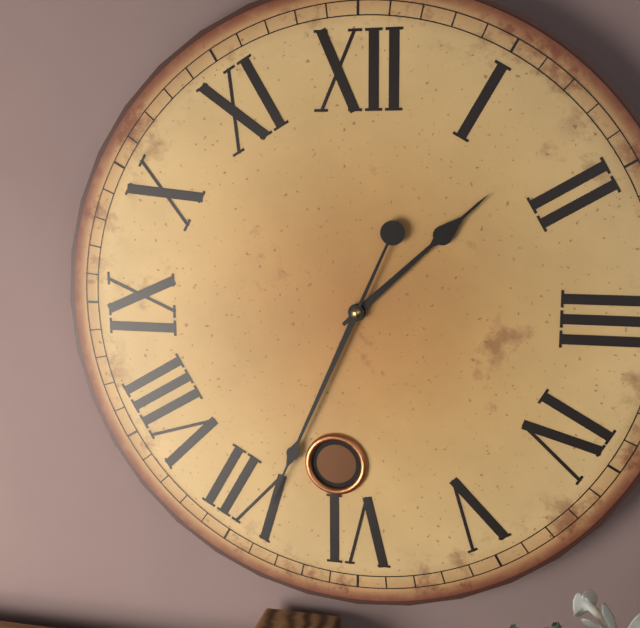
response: 1h34
